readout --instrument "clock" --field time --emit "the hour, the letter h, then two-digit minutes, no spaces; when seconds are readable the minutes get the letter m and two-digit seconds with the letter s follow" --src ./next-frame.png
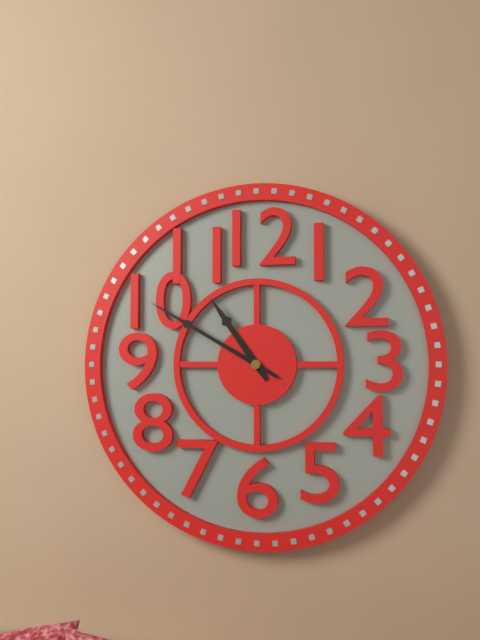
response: 10h50
